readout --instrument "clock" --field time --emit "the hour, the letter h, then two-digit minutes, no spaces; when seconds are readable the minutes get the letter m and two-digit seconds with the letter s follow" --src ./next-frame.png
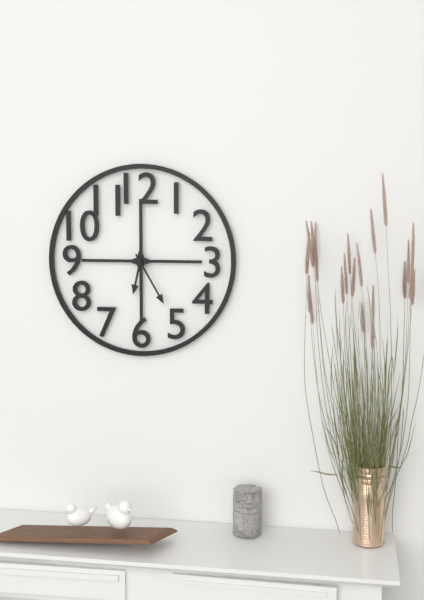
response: 6h25
